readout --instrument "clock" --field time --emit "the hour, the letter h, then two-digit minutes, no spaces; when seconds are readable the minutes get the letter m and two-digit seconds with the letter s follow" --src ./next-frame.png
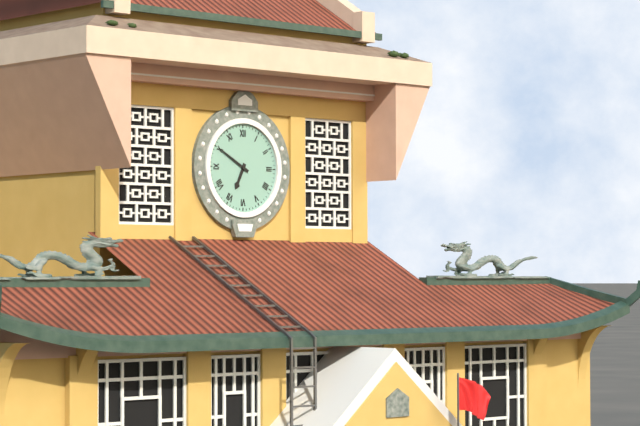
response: 6h50
